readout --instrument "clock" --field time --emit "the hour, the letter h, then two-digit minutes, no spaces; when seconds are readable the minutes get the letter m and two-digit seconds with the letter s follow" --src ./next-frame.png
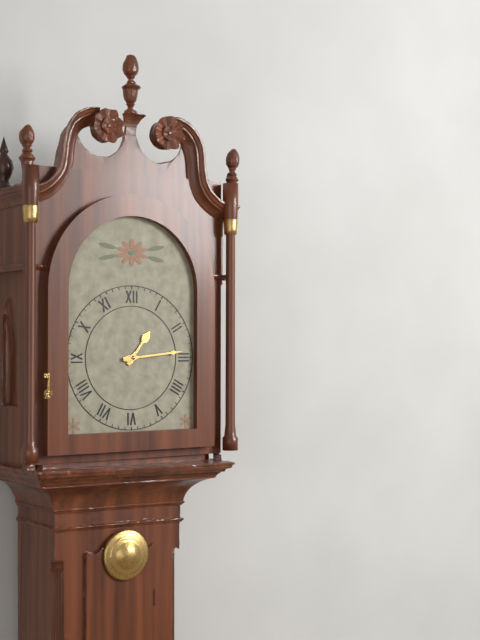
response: 1h14
